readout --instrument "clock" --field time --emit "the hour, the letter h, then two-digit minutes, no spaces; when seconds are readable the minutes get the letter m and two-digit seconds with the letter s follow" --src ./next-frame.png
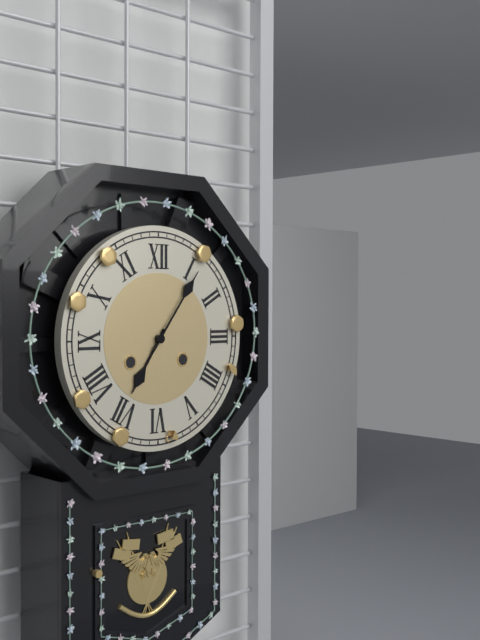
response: 7h06
